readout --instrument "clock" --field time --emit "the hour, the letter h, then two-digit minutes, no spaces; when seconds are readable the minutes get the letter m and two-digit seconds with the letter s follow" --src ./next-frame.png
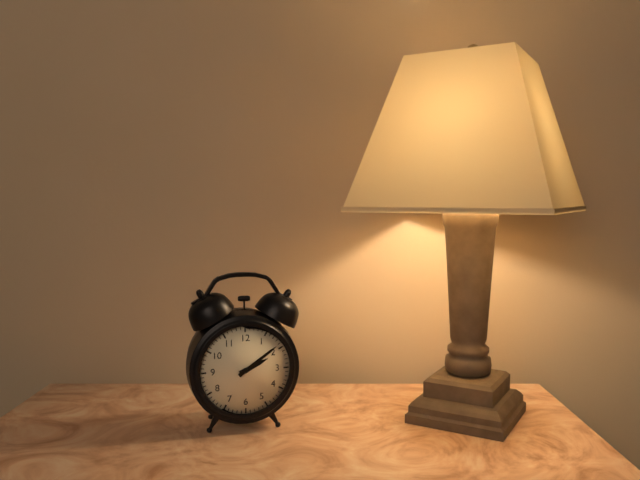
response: 2h09
